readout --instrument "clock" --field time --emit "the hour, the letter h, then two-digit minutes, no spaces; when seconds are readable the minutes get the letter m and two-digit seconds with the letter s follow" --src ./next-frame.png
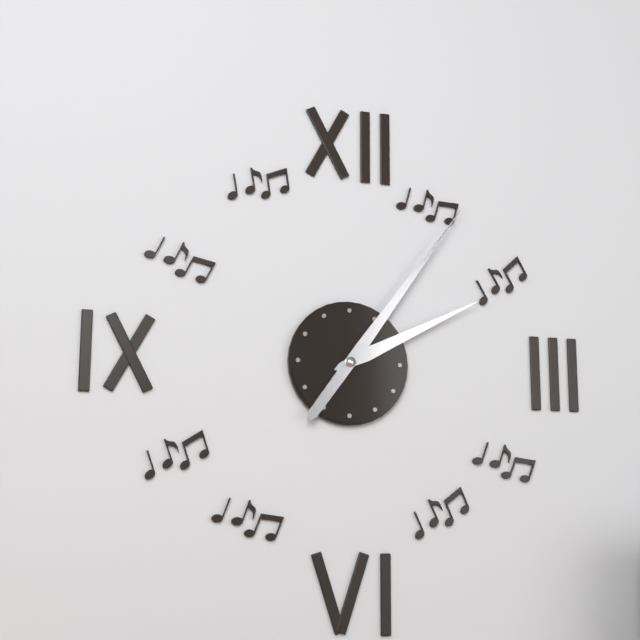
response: 2h06
